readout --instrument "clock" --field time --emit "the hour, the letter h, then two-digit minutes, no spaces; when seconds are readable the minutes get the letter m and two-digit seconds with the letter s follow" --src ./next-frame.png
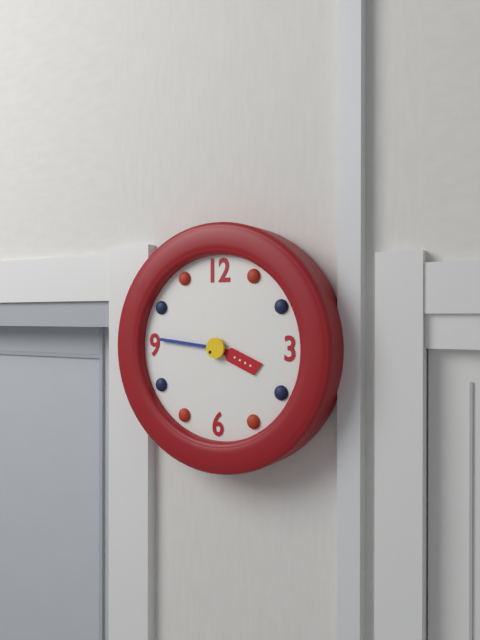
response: 3h46
